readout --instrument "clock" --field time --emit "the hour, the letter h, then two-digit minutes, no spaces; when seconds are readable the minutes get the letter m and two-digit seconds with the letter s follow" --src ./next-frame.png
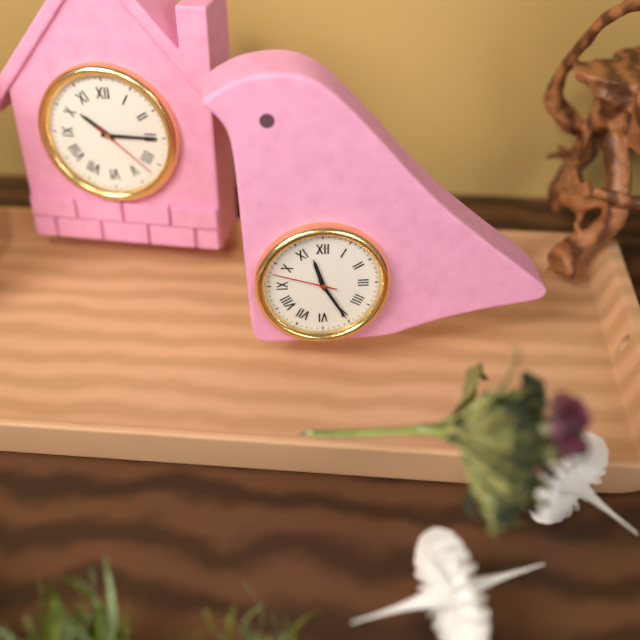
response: 11h25m48s
